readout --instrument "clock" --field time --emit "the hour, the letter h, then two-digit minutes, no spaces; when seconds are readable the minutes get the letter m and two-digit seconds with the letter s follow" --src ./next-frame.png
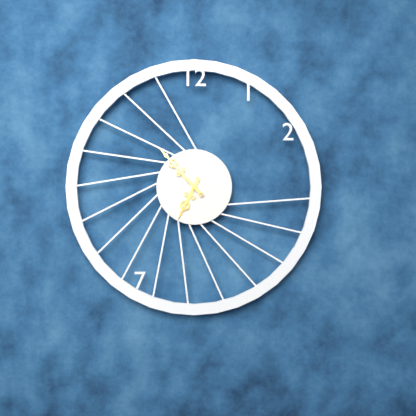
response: 6h53
